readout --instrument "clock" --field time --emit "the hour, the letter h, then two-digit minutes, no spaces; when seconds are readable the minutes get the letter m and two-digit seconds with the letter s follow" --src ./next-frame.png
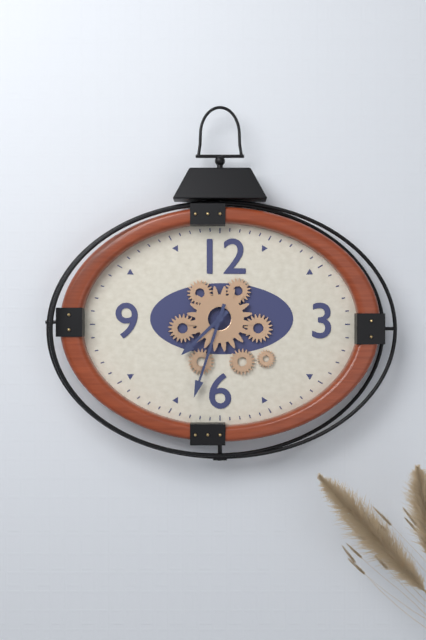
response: 7h33
